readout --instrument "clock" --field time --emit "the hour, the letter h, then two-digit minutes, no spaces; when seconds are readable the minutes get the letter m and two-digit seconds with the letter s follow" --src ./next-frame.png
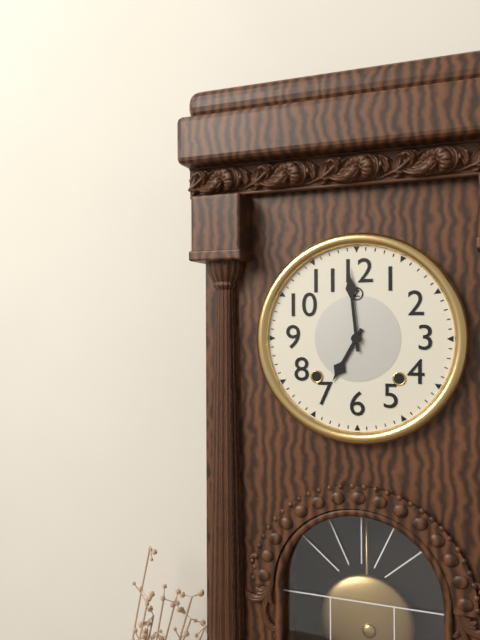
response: 6h59
